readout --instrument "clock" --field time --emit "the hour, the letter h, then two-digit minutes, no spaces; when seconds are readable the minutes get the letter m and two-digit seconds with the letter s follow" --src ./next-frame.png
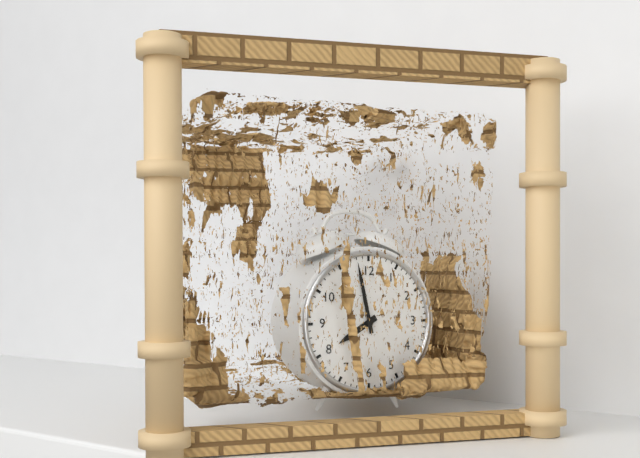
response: 7h58
